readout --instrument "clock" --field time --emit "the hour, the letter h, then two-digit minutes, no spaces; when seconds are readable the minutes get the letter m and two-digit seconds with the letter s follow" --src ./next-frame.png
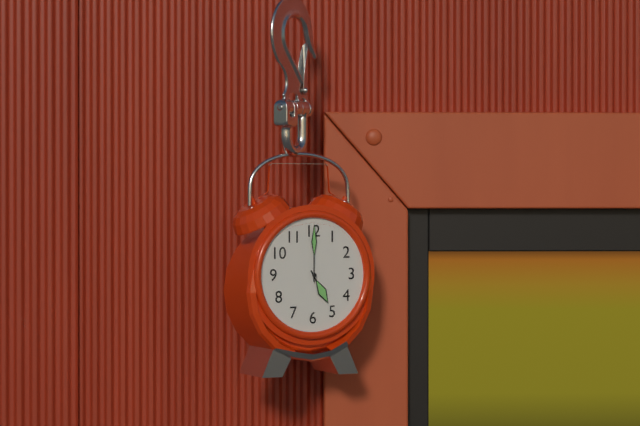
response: 5h00
